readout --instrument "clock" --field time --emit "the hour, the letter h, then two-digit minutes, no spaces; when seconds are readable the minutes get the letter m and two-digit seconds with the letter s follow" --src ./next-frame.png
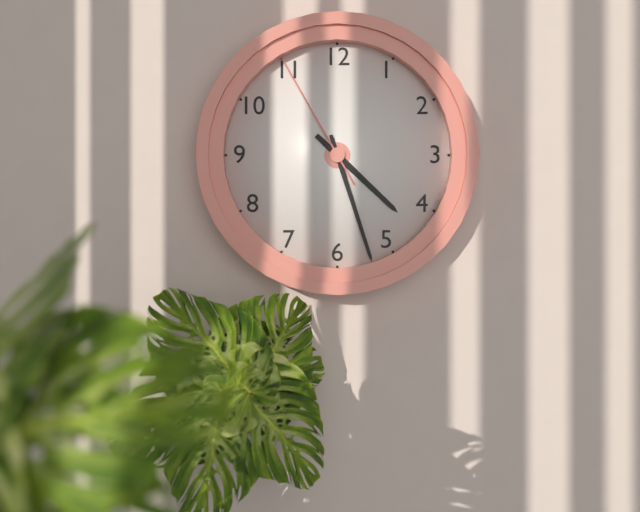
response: 4h27m55s
